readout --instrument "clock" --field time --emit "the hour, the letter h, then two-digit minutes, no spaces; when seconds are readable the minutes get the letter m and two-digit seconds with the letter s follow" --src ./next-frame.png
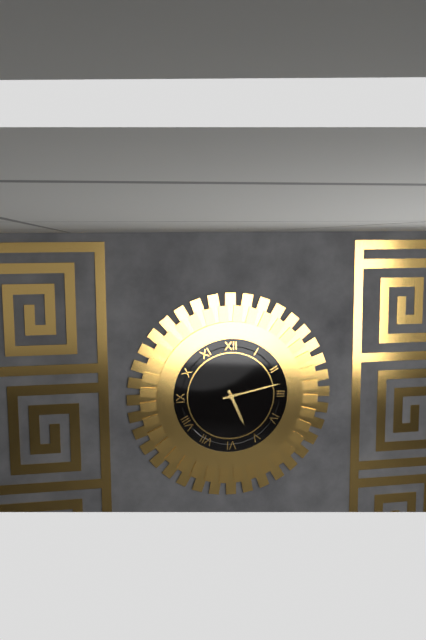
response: 5h13
